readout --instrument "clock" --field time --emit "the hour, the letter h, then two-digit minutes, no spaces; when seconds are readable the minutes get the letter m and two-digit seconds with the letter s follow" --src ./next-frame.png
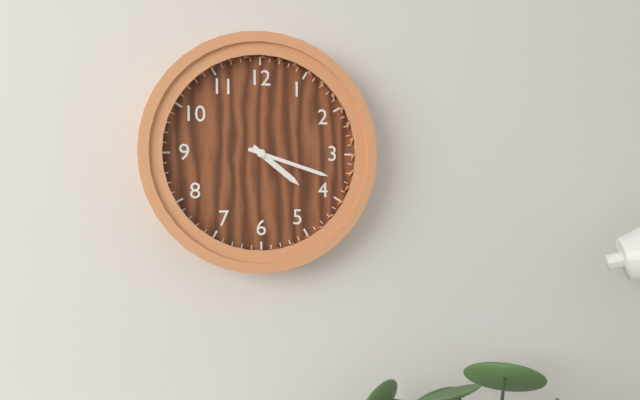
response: 4h18
